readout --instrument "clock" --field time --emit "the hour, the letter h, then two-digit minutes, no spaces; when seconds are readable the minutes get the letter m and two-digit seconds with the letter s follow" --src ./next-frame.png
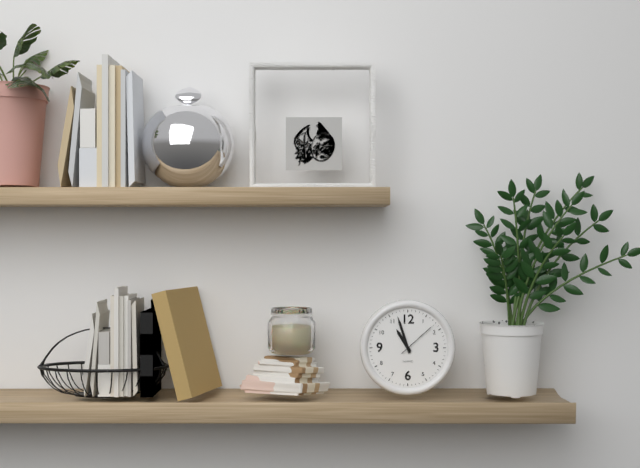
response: 10h57
